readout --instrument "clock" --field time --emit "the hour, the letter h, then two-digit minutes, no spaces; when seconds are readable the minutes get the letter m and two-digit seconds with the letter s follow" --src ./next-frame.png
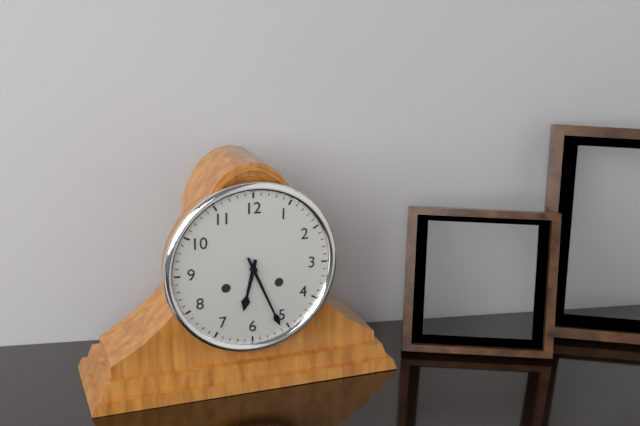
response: 6h26
